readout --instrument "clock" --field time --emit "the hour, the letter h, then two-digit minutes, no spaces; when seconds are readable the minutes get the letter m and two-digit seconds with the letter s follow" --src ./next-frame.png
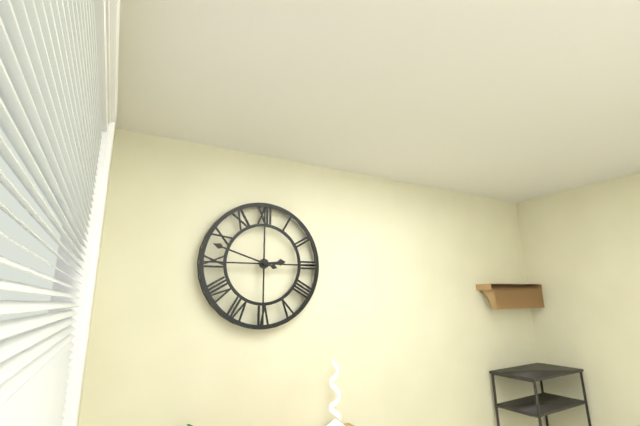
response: 2h48
